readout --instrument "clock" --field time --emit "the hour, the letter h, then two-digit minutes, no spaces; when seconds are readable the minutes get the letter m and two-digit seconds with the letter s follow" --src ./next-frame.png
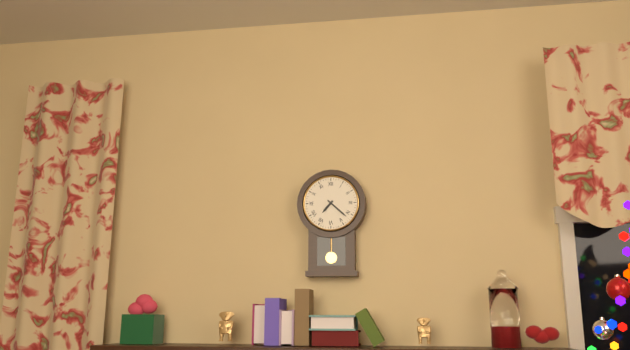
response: 7h22
